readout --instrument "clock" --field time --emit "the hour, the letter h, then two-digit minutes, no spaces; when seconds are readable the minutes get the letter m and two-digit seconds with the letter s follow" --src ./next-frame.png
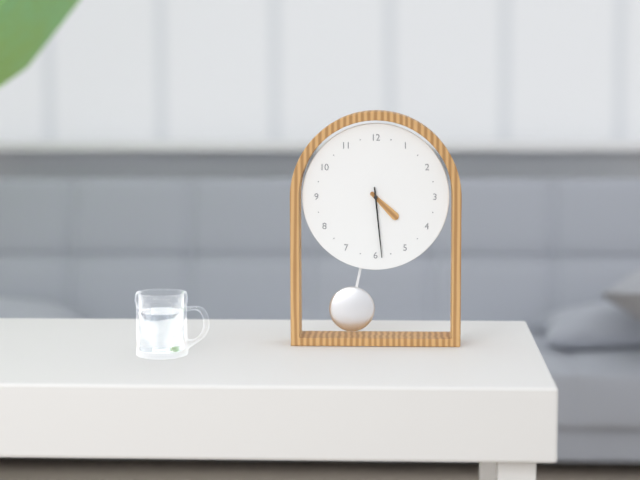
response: 4h29
